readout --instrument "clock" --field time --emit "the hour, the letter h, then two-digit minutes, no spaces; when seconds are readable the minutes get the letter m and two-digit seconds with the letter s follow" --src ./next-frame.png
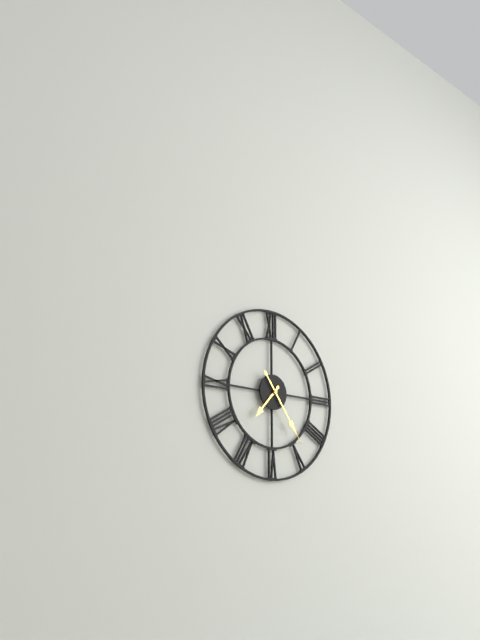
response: 7h24
